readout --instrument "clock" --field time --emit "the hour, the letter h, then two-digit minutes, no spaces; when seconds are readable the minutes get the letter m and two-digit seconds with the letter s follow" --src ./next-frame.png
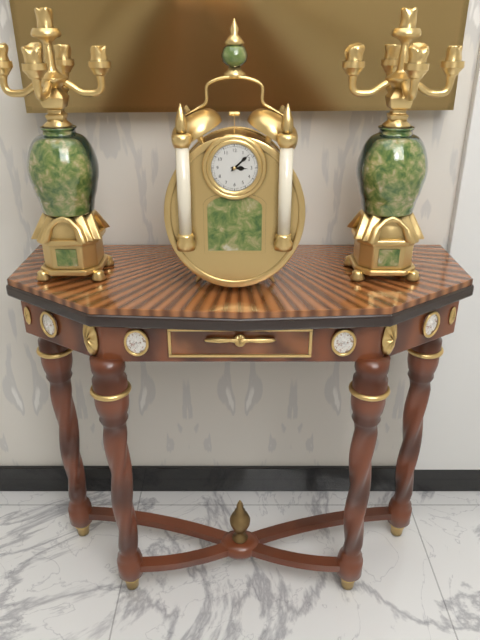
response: 3h08
